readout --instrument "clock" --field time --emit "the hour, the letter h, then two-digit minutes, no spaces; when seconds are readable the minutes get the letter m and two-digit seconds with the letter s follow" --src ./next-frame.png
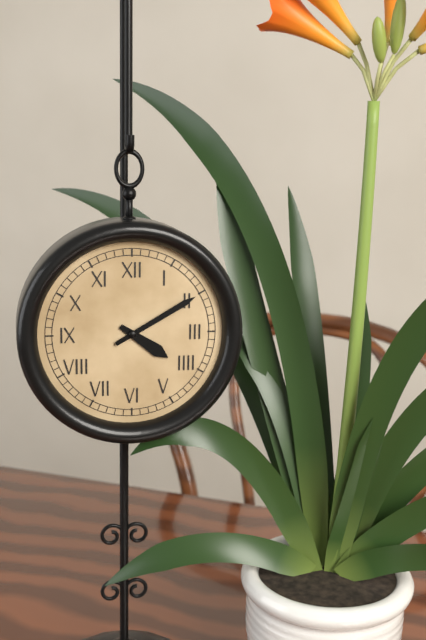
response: 4h10
